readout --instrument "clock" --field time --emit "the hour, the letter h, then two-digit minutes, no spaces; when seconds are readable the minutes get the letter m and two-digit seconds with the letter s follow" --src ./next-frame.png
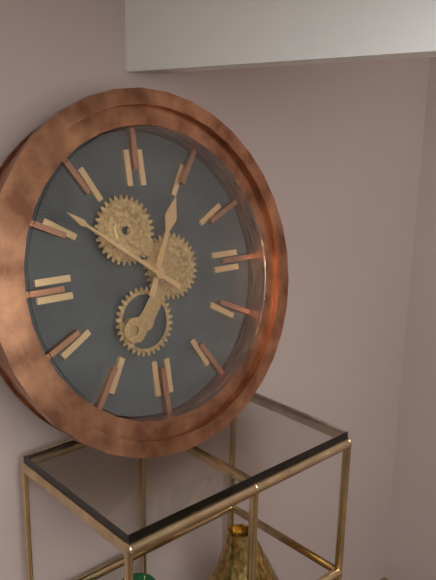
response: 12h51
